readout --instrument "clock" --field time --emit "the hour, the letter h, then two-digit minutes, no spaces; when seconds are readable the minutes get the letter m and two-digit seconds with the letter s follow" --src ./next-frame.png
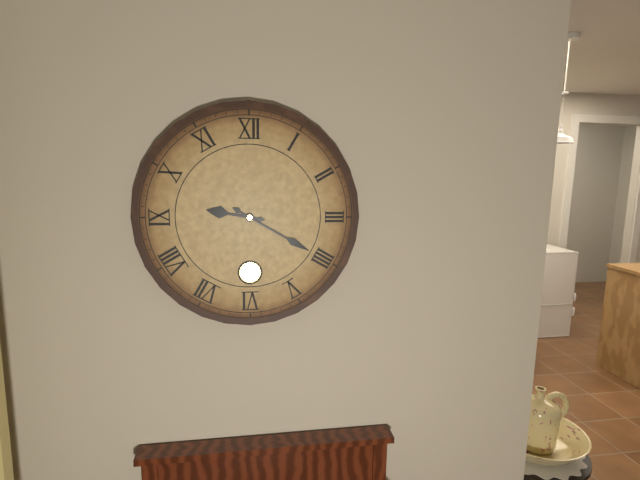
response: 9h20
